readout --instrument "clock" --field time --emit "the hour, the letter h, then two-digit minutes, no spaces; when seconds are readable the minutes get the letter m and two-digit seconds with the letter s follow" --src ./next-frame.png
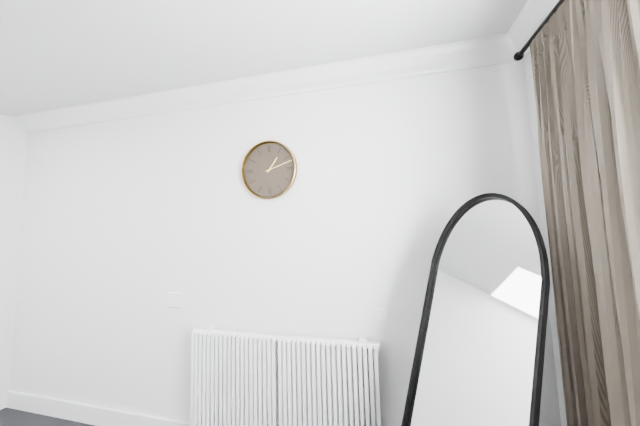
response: 1h12
